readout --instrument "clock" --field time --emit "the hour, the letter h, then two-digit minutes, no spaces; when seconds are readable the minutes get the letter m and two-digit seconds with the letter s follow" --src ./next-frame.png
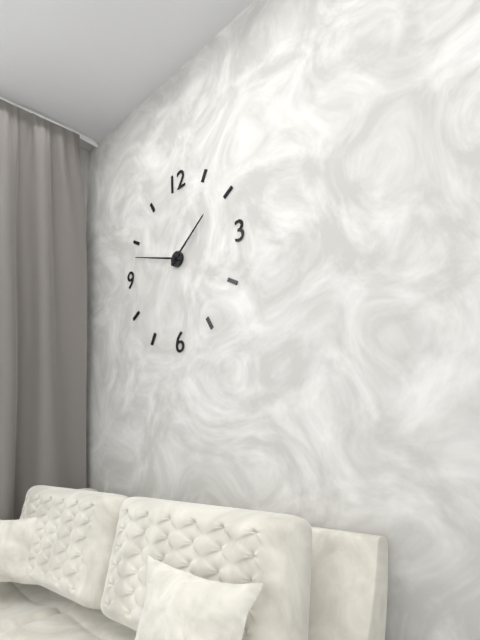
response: 1h48
